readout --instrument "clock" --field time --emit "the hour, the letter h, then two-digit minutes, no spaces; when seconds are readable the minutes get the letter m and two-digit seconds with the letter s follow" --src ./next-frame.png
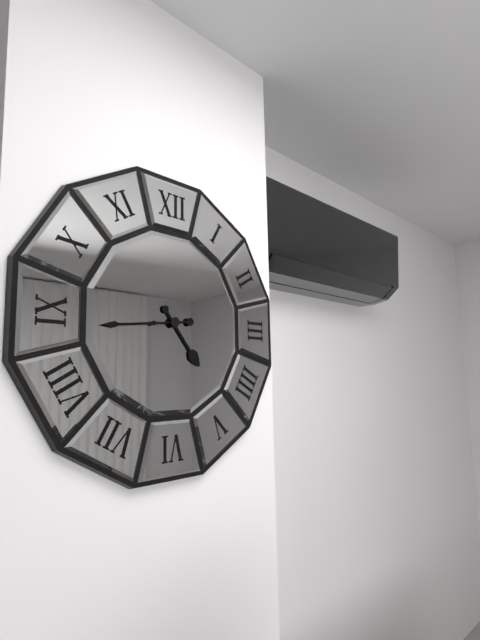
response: 4h44
